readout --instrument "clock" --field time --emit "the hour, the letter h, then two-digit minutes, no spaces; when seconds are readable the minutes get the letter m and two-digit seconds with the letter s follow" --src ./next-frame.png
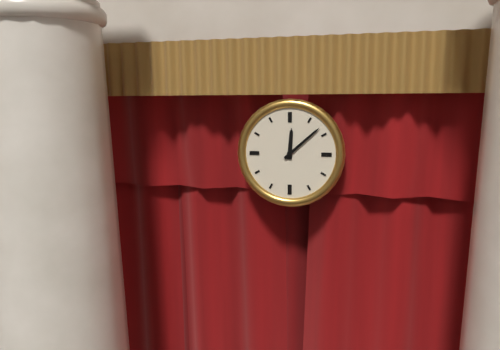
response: 12h08
